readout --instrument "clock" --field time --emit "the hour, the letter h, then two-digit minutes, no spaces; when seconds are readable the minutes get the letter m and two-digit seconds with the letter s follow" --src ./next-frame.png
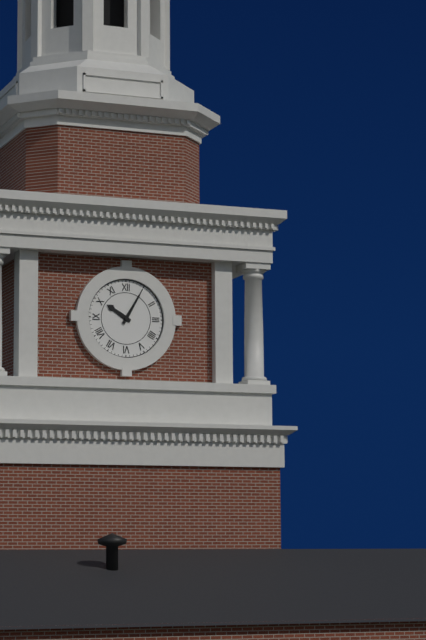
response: 10h05
